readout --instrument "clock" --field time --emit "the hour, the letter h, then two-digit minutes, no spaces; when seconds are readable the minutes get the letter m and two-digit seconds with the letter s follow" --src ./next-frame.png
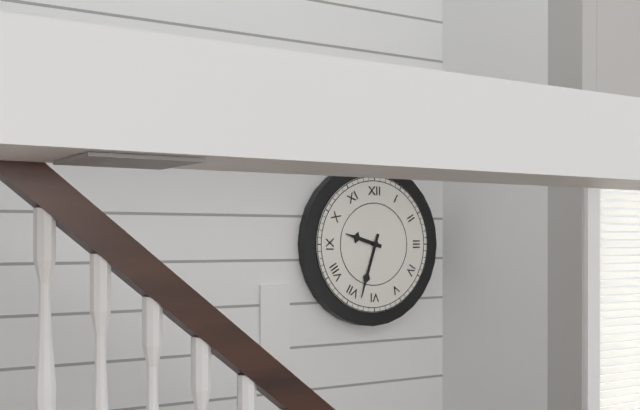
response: 9h33
